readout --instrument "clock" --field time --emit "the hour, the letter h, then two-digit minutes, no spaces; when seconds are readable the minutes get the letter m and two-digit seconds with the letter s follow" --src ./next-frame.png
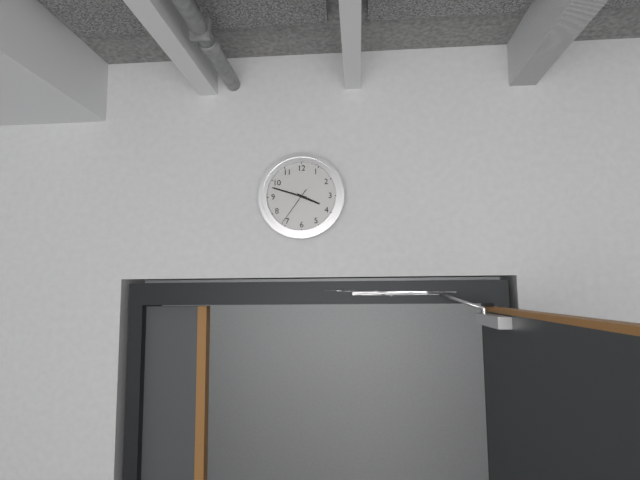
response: 3h48
